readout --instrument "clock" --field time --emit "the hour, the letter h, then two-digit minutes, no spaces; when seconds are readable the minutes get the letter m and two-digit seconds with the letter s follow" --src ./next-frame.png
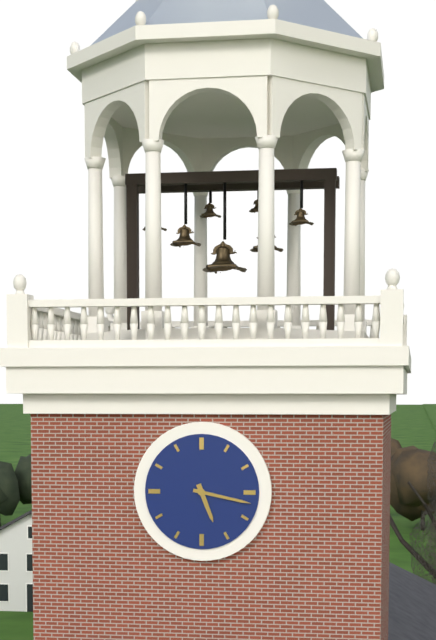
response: 5h17
